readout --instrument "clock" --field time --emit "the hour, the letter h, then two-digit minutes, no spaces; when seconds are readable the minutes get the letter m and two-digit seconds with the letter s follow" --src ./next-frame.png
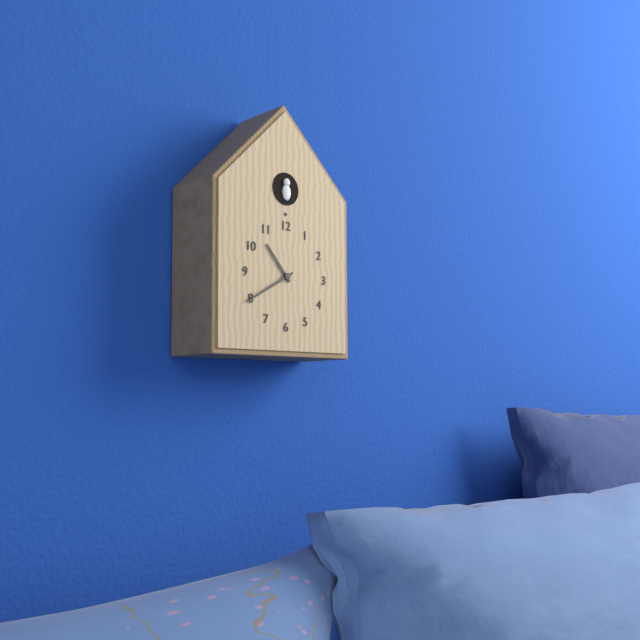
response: 10h40
